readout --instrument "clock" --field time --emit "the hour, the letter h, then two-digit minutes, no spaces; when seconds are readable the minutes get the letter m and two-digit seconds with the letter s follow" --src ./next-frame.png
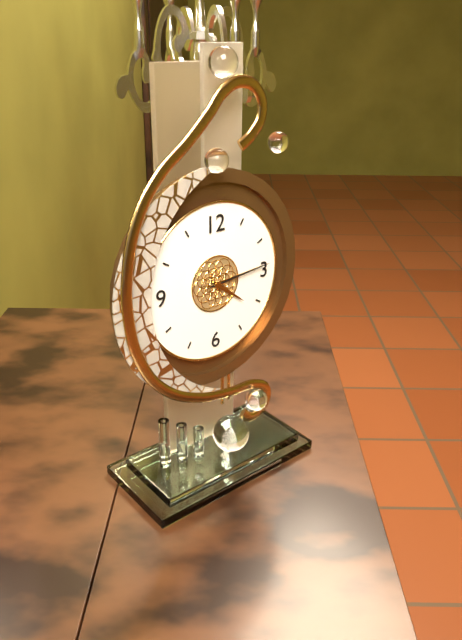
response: 4h14m14s
